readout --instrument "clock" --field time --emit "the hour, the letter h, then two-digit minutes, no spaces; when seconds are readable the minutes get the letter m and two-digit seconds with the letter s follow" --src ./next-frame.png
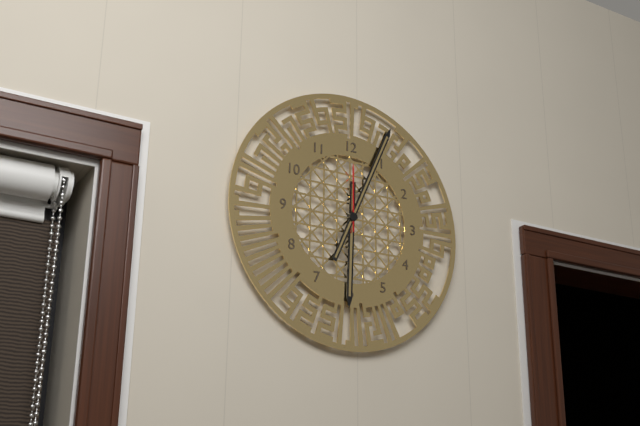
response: 6h04m00s
